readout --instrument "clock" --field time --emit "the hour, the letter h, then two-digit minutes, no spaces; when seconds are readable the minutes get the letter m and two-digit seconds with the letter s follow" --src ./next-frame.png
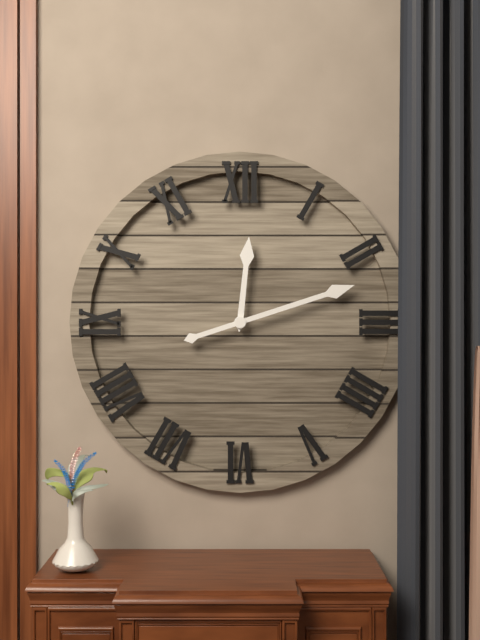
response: 12h12
